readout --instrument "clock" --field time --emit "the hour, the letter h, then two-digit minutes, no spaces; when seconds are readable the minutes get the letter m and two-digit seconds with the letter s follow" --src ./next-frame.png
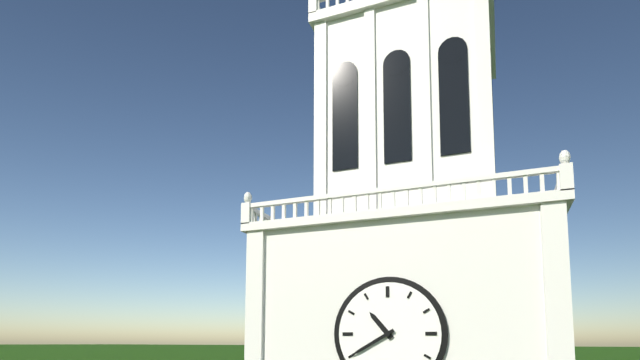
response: 10h40
